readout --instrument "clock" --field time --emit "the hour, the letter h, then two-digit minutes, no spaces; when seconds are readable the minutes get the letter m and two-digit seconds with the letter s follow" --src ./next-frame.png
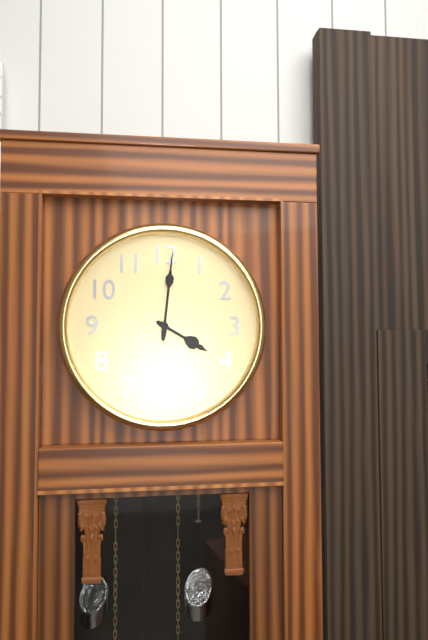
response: 4h01
